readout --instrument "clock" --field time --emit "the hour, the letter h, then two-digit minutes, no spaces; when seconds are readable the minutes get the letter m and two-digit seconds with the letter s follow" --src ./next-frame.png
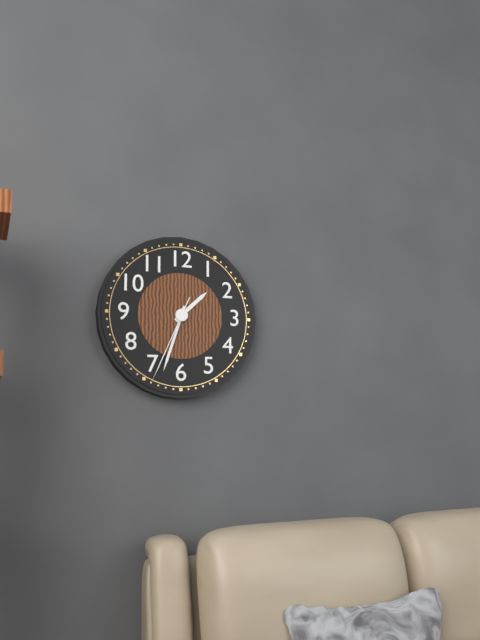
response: 1h33m34s
